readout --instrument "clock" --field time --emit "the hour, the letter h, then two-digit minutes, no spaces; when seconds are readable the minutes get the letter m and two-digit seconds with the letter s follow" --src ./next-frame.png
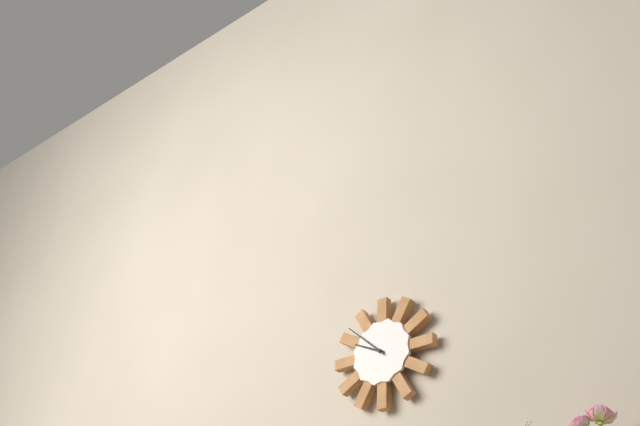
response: 9h52
